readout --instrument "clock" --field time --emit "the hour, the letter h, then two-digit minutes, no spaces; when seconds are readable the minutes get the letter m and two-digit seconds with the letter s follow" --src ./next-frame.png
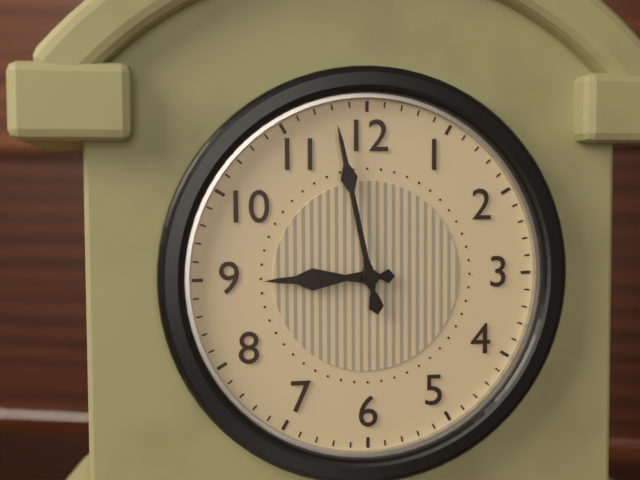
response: 8h58
